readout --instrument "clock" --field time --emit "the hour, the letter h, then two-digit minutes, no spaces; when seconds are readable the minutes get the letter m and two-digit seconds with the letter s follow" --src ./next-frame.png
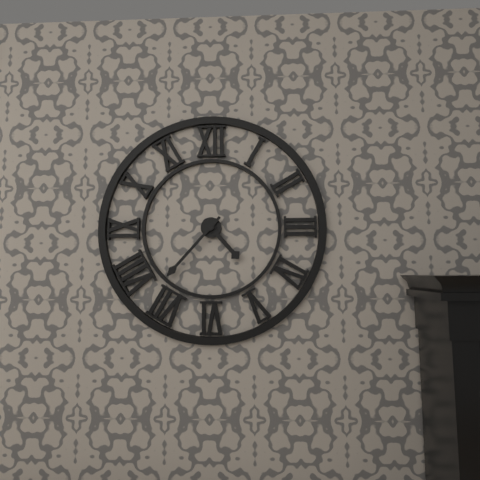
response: 4h37
